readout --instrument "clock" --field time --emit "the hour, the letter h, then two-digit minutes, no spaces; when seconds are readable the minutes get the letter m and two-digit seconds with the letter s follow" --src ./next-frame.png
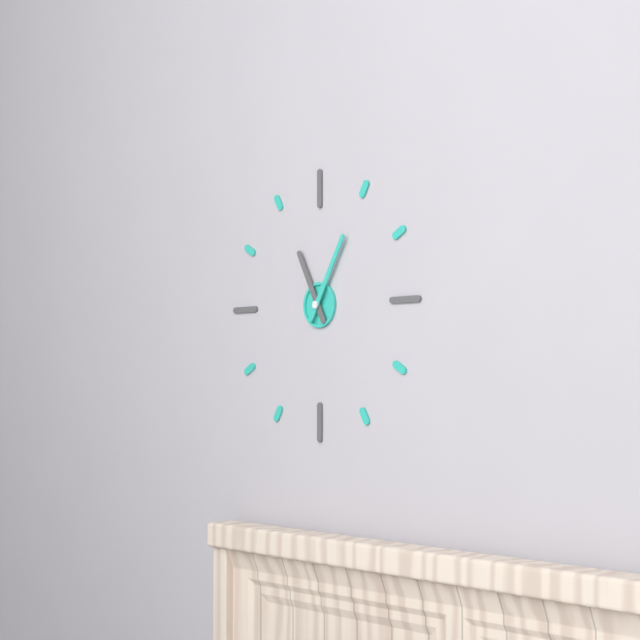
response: 11h05
